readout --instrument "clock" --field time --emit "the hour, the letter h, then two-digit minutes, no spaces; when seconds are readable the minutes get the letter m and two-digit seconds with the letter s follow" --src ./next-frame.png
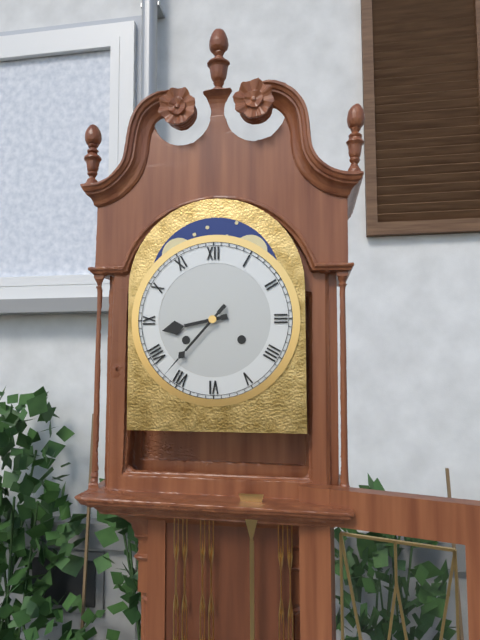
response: 8h37
